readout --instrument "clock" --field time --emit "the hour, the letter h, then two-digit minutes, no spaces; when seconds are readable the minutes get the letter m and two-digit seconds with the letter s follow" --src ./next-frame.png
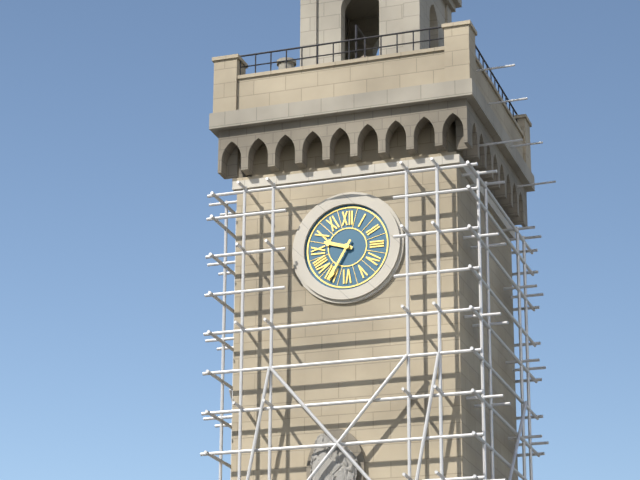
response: 9h35
